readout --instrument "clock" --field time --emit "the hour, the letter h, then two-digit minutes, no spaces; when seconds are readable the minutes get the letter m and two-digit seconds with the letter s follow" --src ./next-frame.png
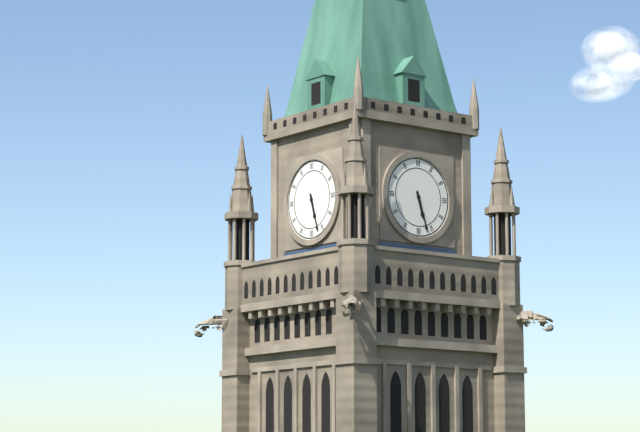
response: 5h27
